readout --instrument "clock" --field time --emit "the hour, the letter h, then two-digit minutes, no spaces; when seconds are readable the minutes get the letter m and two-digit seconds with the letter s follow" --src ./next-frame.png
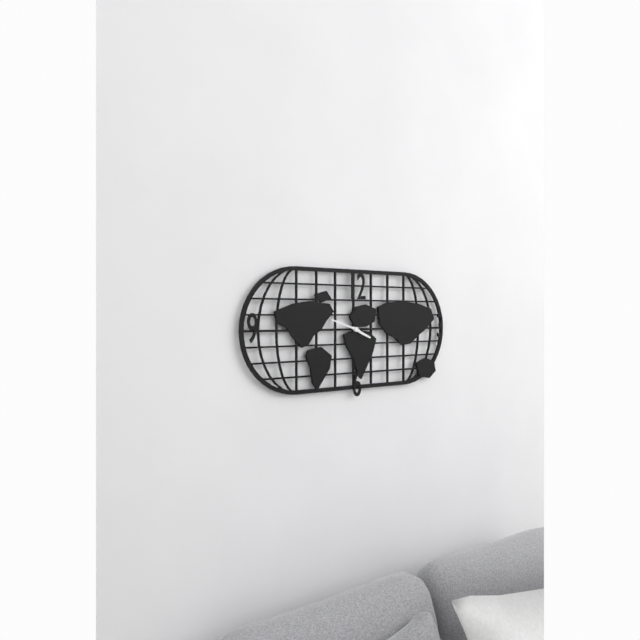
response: 3h48
